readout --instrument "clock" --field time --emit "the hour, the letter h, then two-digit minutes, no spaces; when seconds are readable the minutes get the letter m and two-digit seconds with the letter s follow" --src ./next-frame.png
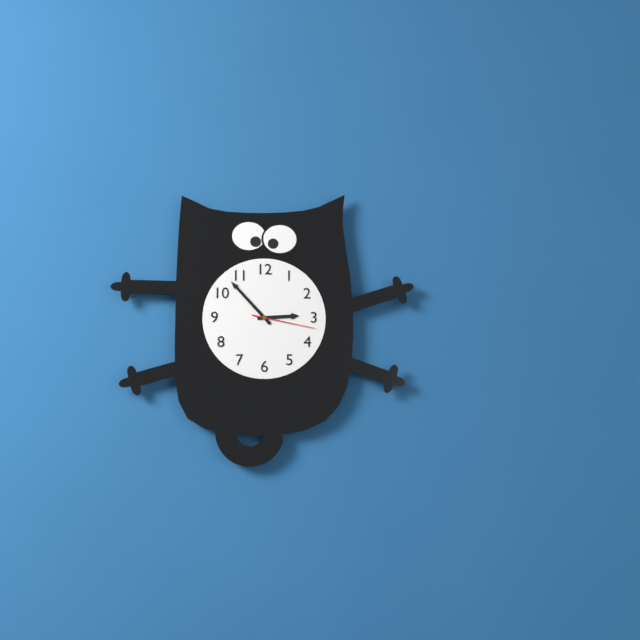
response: 2h53m17s
